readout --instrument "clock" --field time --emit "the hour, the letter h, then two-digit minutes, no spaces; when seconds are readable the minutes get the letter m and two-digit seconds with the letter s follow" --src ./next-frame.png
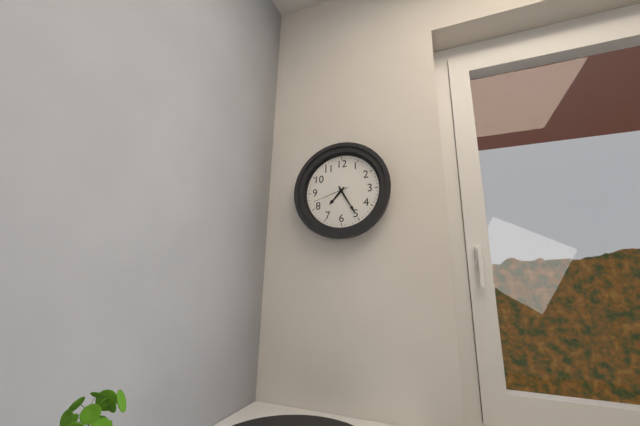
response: 7h25
